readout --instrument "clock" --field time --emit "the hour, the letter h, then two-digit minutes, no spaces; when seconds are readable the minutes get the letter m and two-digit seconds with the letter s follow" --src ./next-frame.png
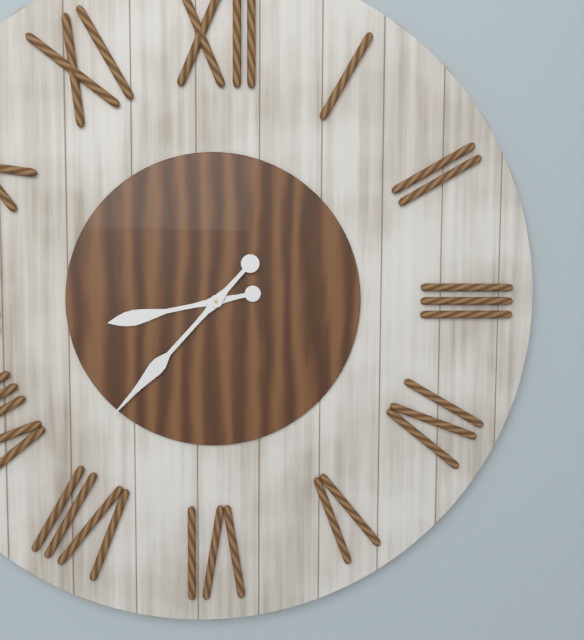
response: 8h37
